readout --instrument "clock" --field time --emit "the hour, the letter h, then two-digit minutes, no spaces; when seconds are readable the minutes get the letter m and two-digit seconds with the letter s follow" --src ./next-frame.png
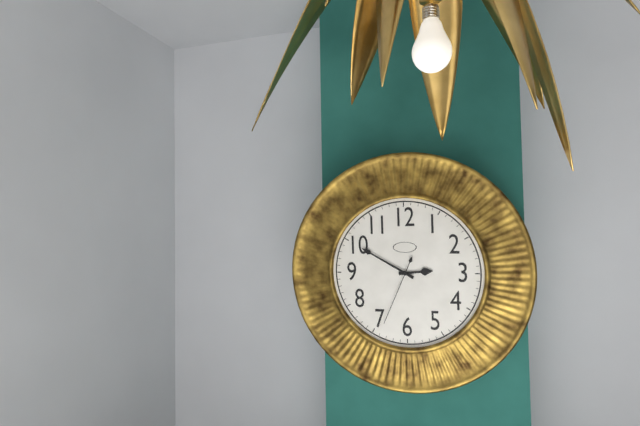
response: 2h50m34s
